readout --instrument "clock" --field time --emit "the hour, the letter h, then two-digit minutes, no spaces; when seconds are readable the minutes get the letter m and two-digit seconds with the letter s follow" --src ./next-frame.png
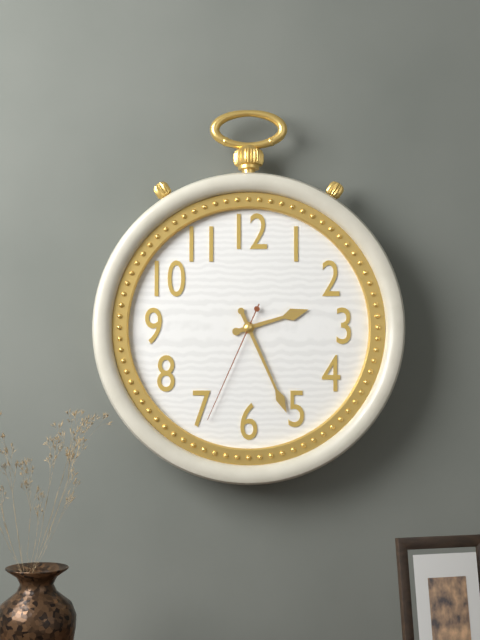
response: 2h26m34s
